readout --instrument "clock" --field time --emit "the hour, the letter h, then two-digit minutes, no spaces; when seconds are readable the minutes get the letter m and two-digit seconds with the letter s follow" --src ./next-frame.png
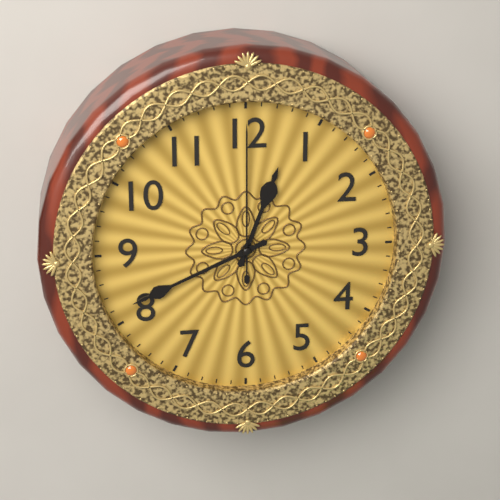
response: 12h41m00s
